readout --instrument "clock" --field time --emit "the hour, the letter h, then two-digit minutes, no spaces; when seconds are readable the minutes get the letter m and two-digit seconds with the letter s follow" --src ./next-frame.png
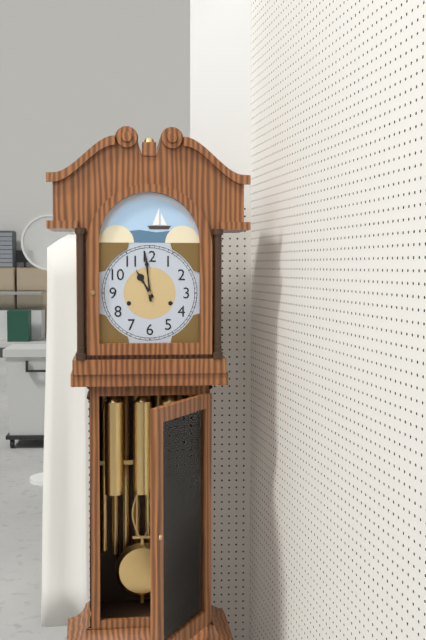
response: 10h59
